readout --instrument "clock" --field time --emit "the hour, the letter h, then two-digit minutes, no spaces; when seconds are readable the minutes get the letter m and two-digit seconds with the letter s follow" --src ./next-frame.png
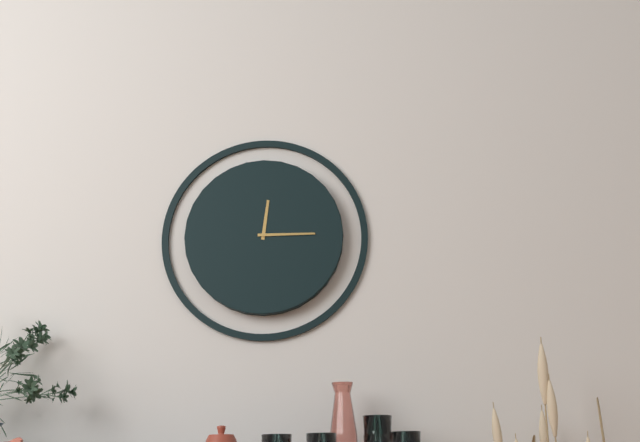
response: 12h15
